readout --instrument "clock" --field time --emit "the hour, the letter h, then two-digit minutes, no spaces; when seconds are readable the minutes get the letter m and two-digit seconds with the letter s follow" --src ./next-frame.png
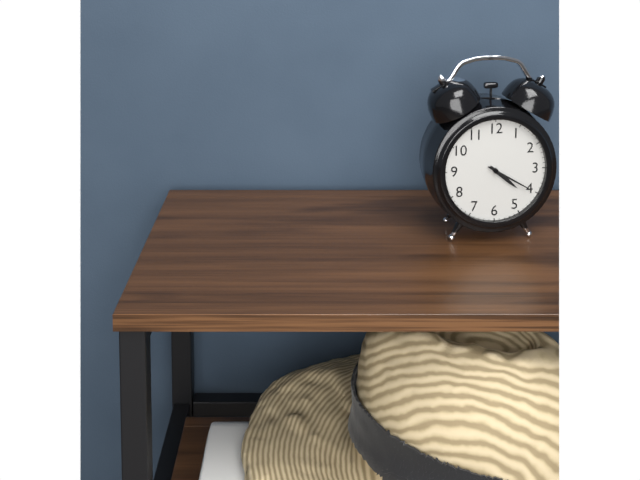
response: 4h20
